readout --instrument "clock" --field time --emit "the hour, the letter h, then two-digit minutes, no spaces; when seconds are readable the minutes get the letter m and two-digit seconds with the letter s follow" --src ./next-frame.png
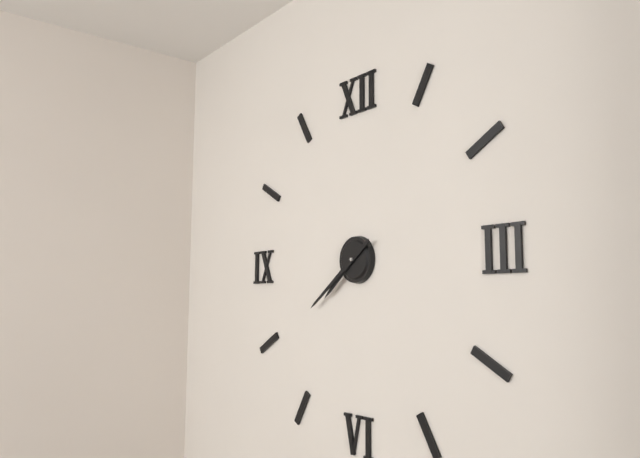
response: 7h39
